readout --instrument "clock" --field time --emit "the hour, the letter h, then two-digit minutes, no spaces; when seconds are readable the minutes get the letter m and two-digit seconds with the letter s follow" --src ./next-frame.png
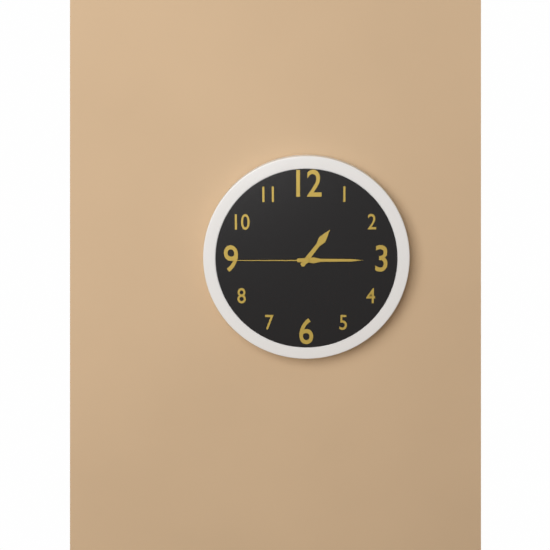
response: 1h15m45s
